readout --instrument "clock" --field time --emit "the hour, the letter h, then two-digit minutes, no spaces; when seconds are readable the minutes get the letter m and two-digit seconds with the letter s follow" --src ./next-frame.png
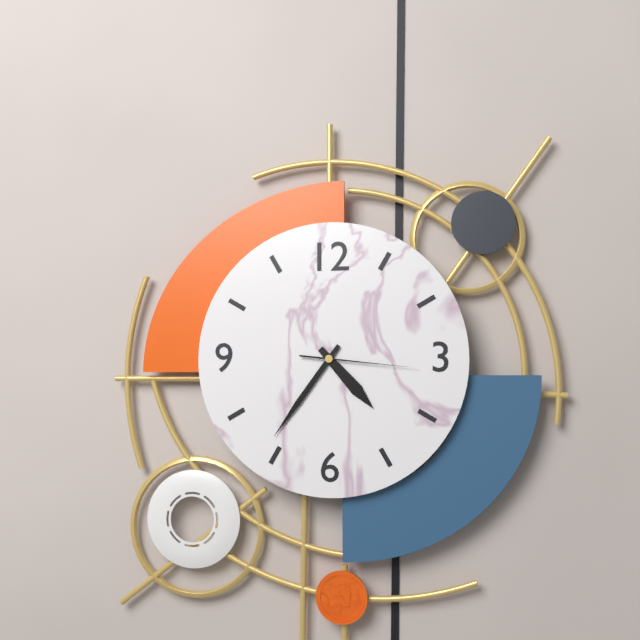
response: 4h36m16s
